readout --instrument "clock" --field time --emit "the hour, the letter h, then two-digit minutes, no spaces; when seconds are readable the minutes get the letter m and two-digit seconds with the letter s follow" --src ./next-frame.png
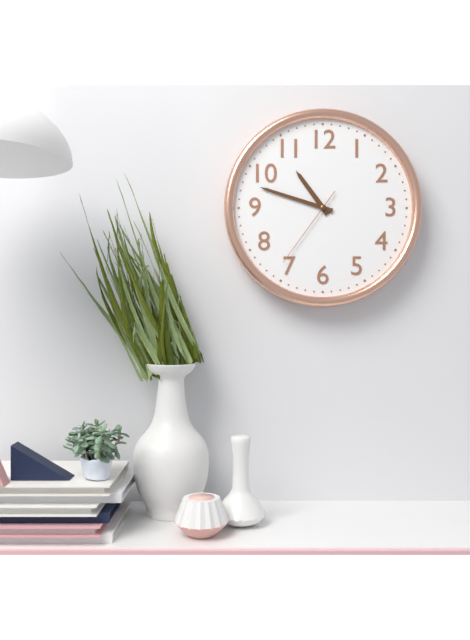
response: 10h48m36s
